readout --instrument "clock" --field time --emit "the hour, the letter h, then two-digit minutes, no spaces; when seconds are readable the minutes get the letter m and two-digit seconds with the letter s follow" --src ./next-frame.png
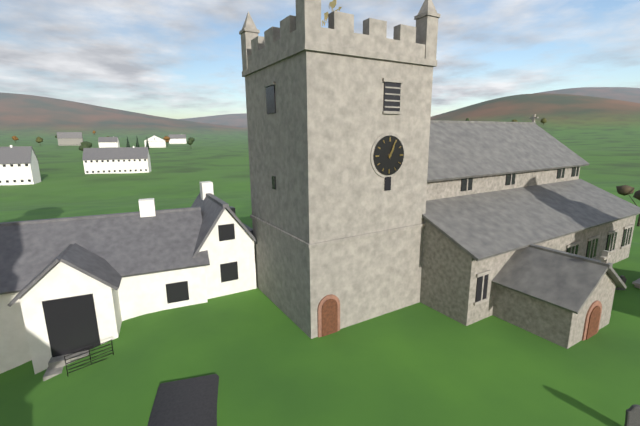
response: 1h04
